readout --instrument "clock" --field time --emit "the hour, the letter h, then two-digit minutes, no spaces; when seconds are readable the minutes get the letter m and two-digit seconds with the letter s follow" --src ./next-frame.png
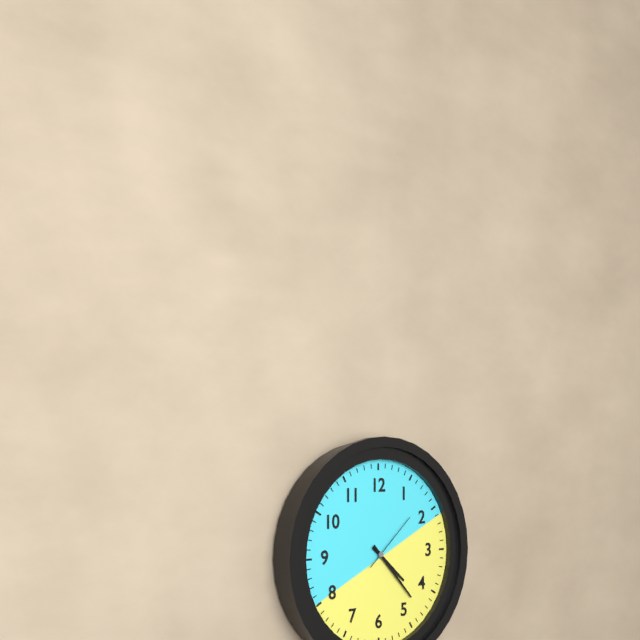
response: 4h23m08s
